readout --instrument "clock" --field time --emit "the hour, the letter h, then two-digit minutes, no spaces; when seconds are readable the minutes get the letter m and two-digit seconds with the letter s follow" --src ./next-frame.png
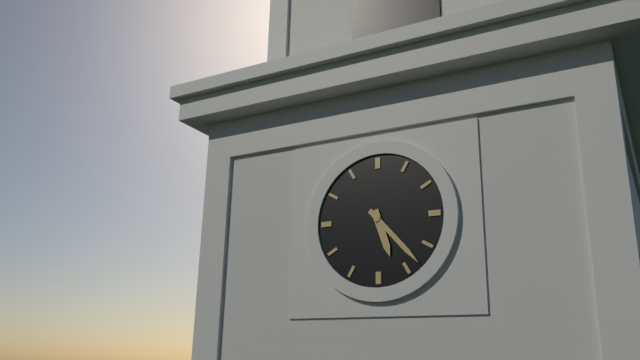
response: 5h23
